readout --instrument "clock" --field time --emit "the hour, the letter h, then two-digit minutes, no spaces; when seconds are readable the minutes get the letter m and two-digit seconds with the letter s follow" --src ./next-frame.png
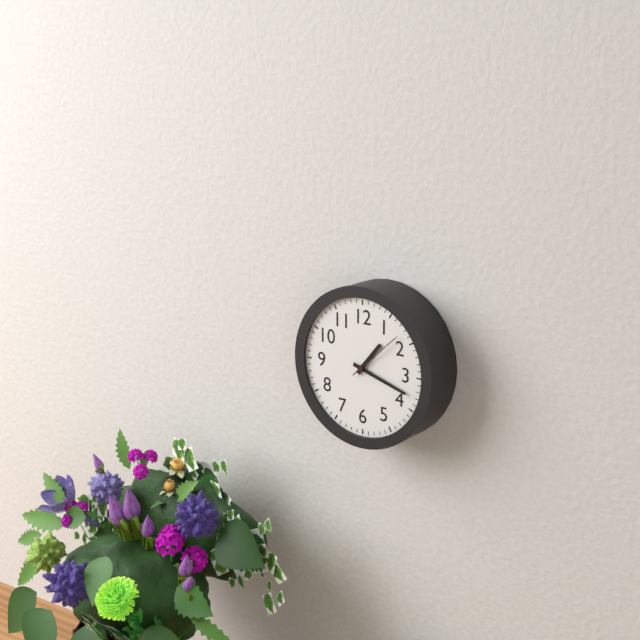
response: 1h18m08s
